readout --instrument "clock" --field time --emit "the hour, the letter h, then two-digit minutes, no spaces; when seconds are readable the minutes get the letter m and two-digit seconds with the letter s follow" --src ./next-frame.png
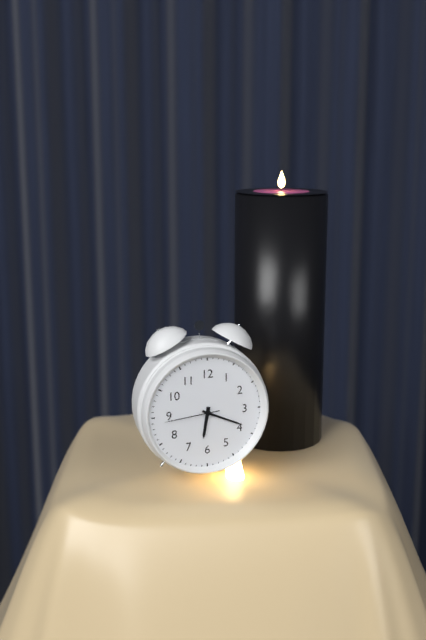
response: 6h19m44s
